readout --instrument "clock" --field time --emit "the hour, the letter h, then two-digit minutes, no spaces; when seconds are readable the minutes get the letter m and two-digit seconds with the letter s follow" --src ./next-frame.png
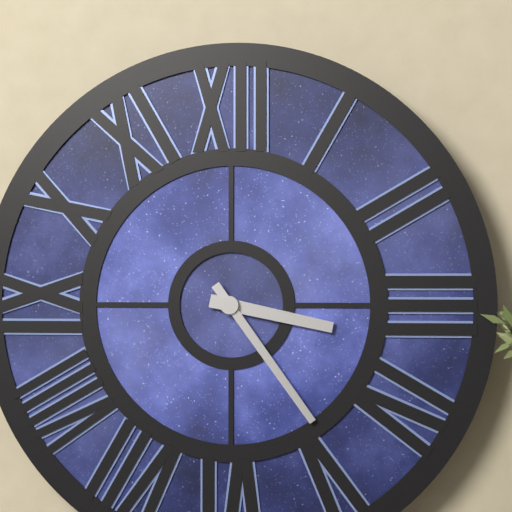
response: 3h24
